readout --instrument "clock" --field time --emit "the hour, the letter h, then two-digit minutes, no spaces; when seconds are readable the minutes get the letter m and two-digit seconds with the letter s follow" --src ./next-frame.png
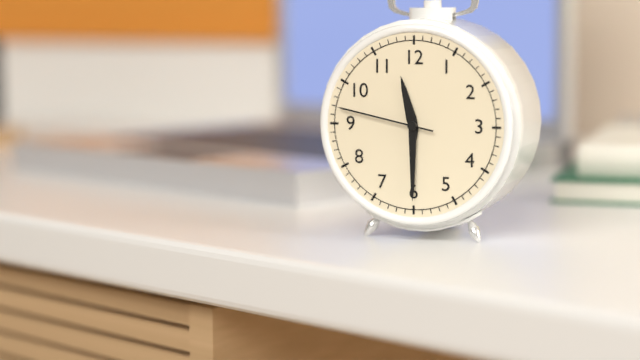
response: 11h30m47s
